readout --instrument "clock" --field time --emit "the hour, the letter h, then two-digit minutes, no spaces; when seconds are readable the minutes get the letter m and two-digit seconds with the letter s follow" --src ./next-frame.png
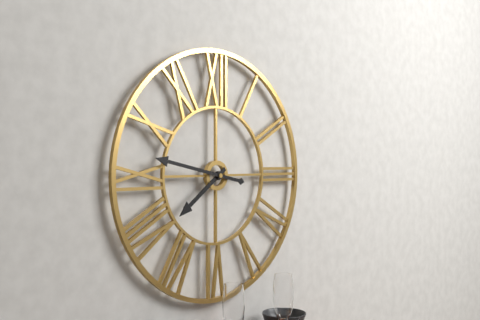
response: 7h47
